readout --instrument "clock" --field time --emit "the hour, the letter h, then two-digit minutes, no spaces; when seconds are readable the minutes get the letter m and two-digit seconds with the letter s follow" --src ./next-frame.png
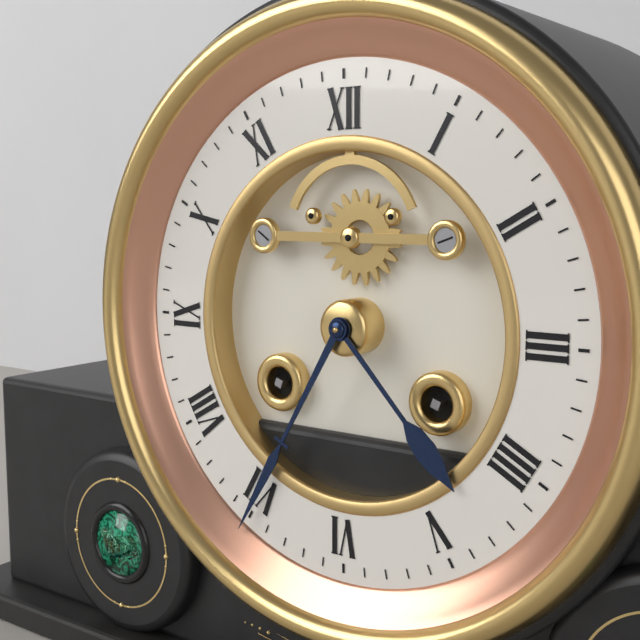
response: 4h35
